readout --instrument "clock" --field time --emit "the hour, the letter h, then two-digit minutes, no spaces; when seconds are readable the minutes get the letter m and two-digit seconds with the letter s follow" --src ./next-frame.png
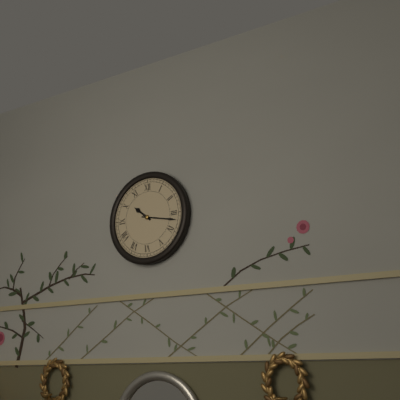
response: 10h17
